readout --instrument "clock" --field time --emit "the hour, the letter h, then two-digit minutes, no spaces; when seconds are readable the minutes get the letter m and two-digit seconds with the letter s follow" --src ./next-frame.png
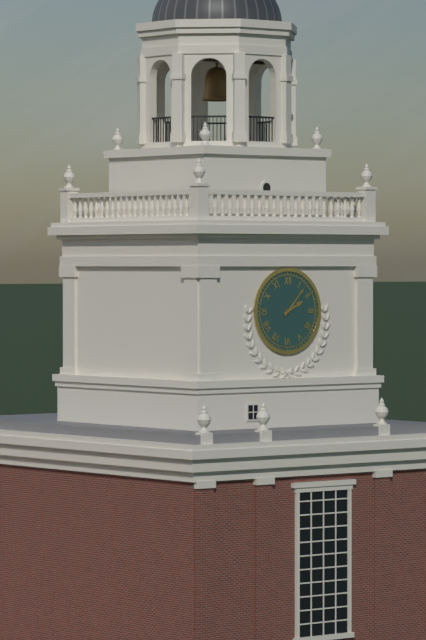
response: 2h07
